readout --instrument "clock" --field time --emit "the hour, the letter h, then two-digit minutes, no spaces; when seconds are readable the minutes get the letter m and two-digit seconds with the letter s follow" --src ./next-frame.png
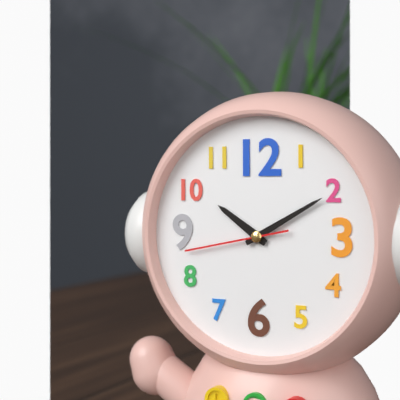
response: 10h10m43s
